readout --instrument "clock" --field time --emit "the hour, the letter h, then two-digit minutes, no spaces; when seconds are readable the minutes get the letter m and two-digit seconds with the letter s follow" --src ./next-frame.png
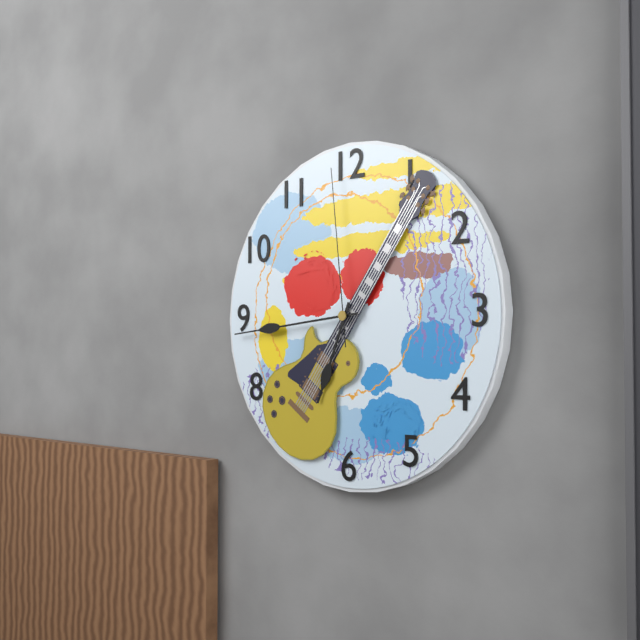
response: 6h44m59s
